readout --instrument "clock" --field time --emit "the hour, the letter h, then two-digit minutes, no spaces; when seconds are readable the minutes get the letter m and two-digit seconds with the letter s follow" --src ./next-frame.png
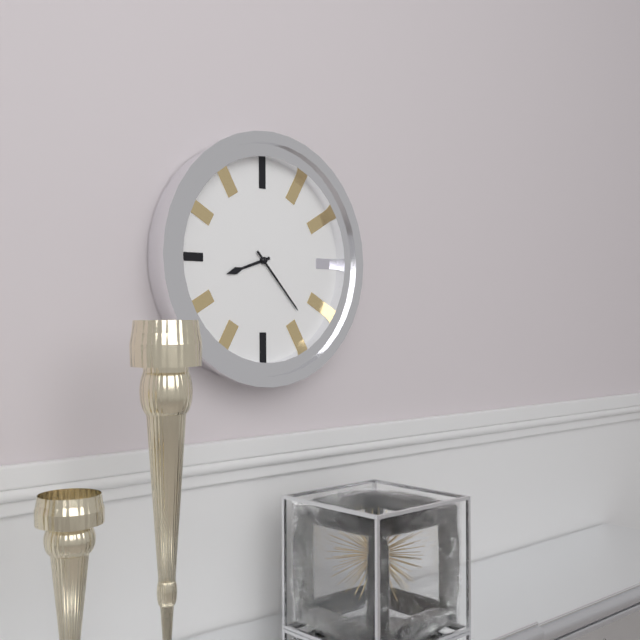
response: 8h23
